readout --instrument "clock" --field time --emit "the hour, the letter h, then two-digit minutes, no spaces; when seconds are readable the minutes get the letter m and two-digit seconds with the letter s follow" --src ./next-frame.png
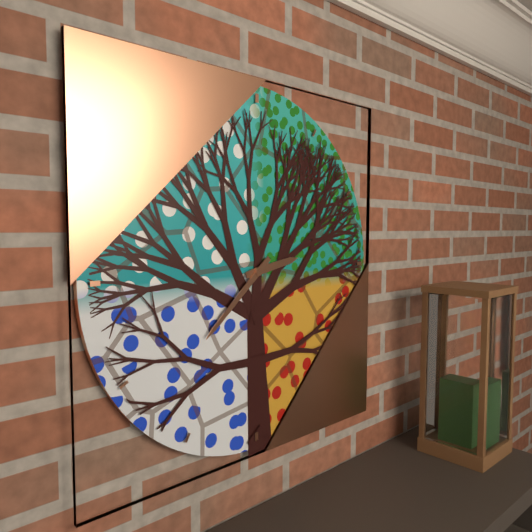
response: 2h38
